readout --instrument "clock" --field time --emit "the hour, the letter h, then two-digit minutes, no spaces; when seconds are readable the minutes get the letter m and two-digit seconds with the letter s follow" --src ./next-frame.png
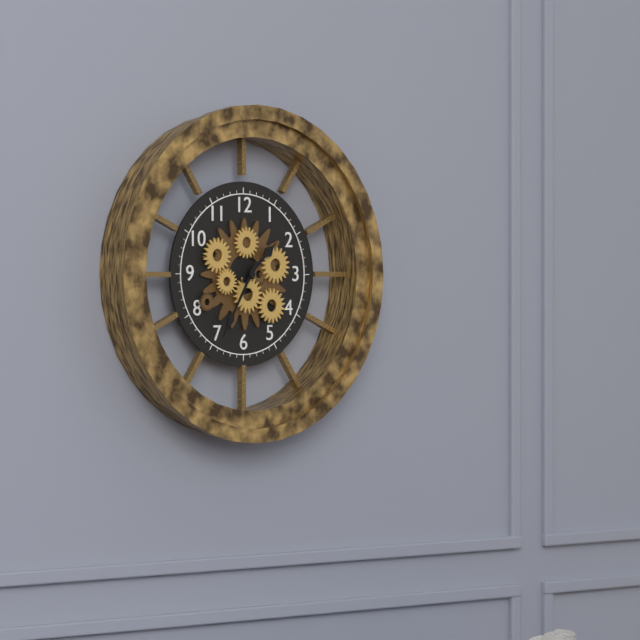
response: 1h35
